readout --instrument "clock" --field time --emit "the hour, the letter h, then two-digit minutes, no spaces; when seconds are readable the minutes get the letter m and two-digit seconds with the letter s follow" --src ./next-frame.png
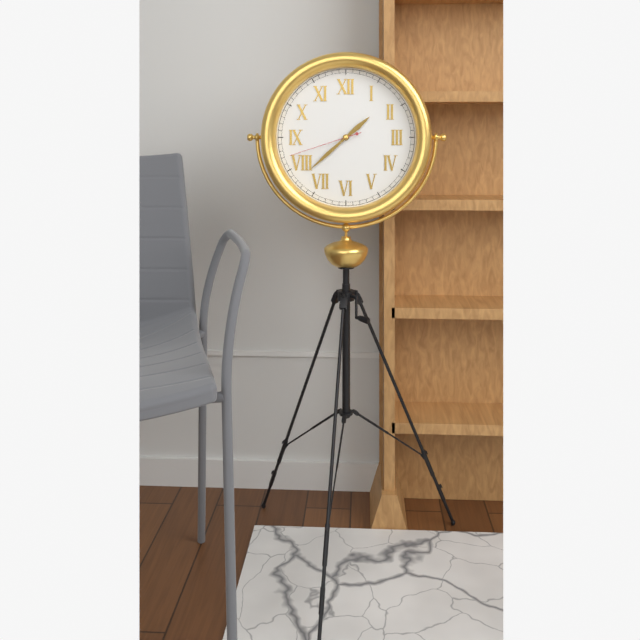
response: 1h38m42s
